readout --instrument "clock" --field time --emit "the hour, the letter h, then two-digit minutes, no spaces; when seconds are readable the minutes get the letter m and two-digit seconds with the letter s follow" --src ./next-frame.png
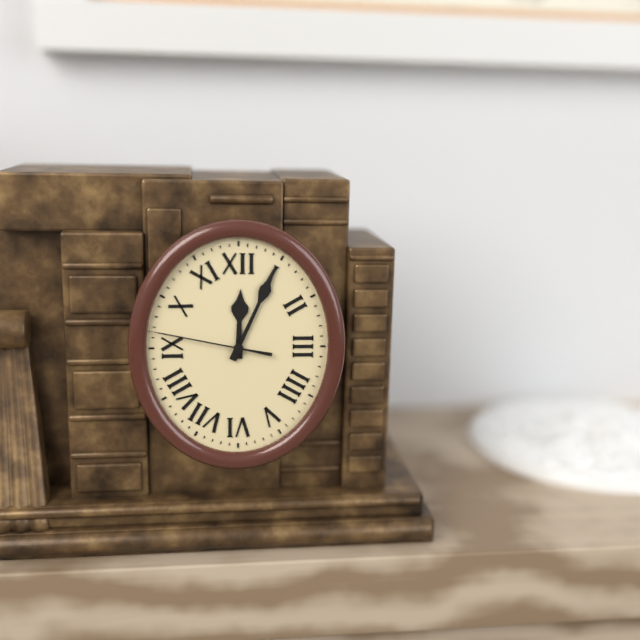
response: 12h04m47s
